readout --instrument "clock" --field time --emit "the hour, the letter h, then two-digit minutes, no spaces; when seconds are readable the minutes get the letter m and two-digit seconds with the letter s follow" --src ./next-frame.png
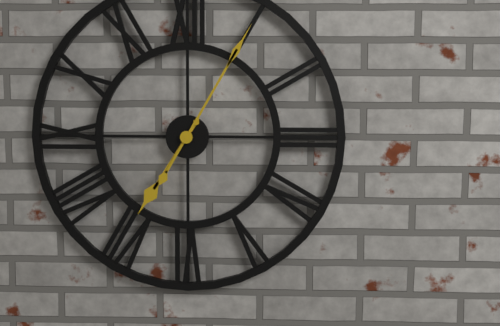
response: 7h05
